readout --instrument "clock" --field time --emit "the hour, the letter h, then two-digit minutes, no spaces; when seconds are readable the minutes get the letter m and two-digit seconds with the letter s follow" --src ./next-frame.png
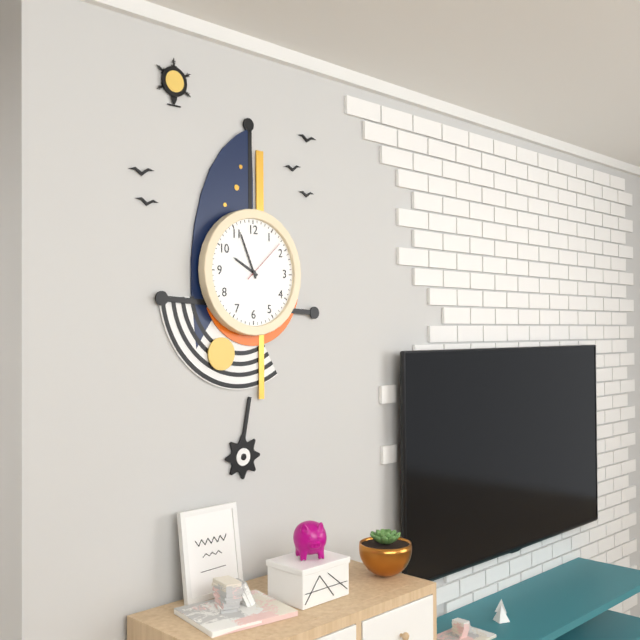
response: 9h56
